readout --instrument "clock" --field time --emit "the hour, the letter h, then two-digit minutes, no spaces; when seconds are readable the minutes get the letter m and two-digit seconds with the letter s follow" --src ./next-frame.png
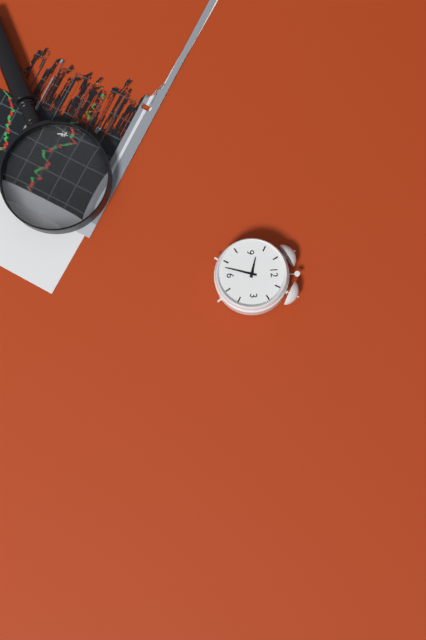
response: 9h33
